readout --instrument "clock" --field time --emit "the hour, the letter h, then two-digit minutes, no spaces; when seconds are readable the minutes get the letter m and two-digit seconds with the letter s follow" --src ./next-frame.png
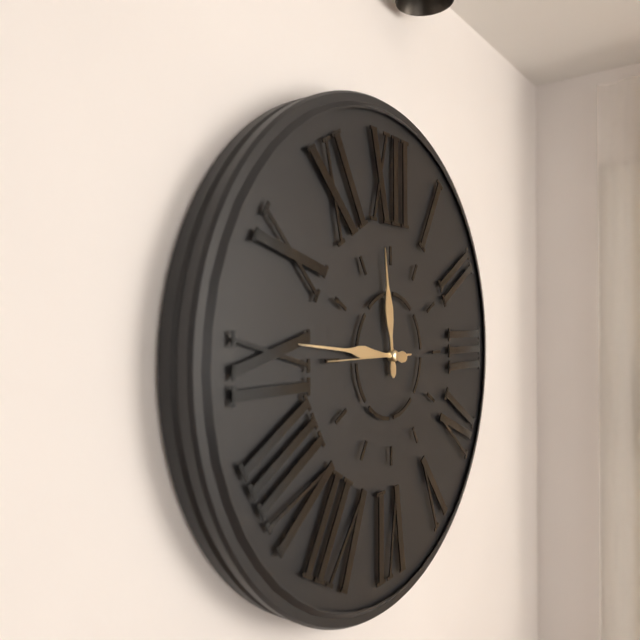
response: 11h46
